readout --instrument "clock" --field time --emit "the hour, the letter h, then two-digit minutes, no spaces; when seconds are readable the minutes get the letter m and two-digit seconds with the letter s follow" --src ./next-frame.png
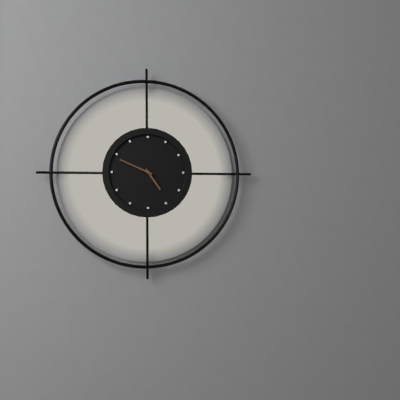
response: 4h49
